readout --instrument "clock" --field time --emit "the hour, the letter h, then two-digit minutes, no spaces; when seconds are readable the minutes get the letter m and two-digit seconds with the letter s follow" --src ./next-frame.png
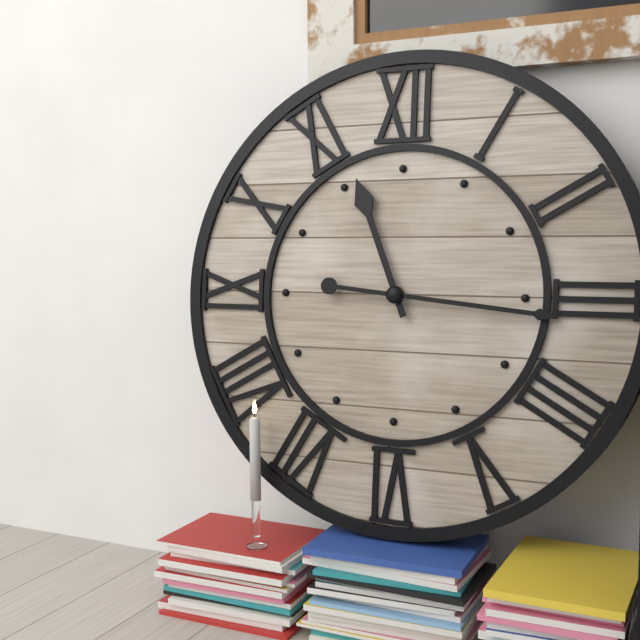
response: 11h16
